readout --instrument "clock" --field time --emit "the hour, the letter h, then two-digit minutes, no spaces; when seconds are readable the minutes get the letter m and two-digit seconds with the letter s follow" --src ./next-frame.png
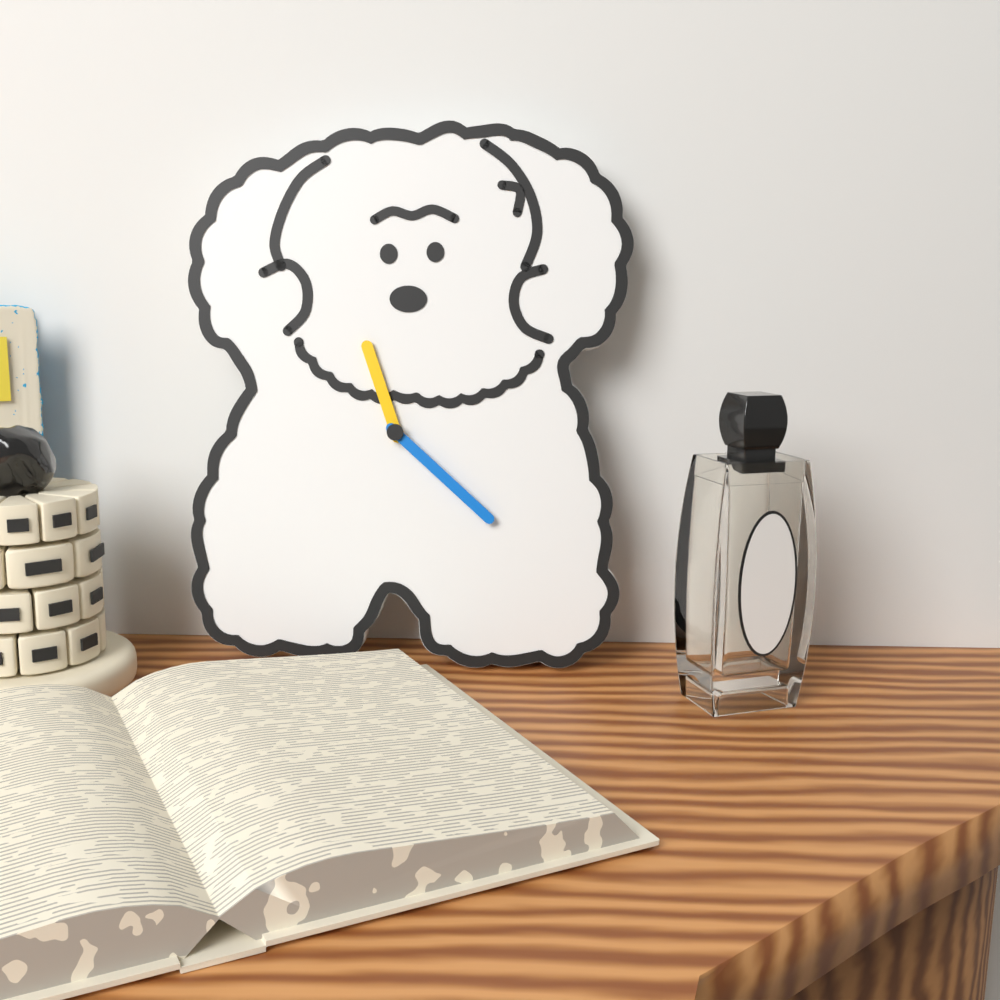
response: 11h22
